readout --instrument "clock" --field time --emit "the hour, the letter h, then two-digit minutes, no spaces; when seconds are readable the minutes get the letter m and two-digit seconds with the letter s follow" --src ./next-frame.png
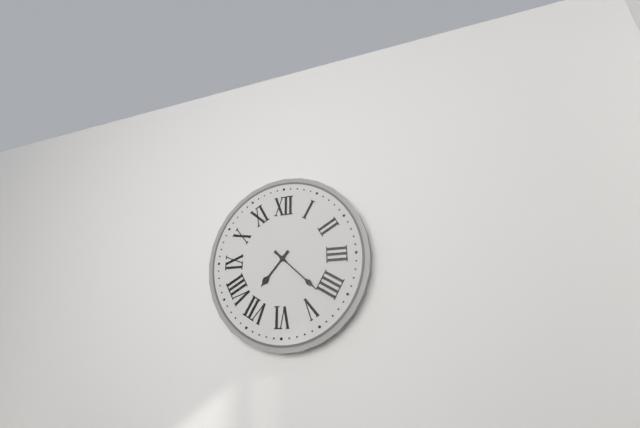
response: 7h22
